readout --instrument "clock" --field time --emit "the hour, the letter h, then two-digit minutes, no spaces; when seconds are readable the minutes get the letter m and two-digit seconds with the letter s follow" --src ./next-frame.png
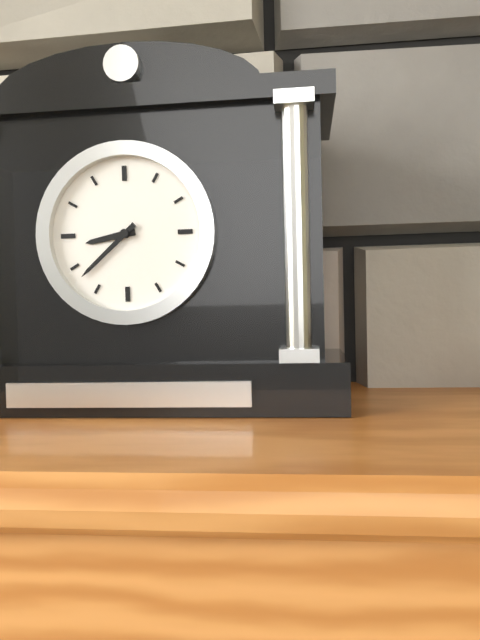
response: 8h38
